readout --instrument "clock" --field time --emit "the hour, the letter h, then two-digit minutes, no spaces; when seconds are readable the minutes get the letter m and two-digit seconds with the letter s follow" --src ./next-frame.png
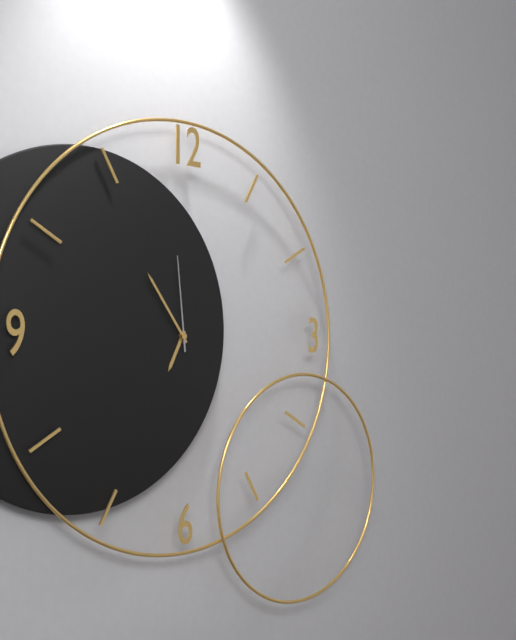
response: 6h54m59s
